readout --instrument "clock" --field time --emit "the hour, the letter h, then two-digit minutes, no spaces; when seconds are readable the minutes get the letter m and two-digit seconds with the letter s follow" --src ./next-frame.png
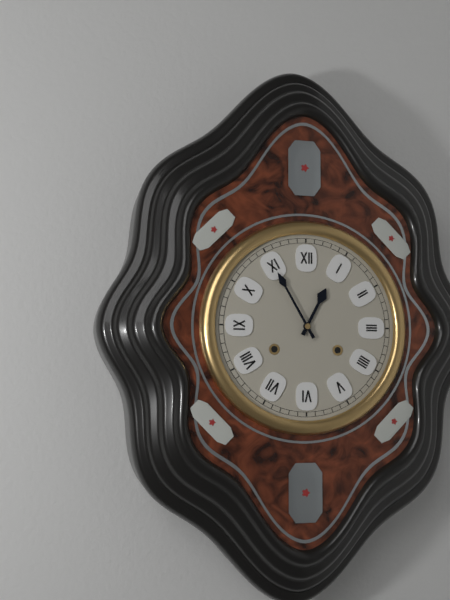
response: 12h55
